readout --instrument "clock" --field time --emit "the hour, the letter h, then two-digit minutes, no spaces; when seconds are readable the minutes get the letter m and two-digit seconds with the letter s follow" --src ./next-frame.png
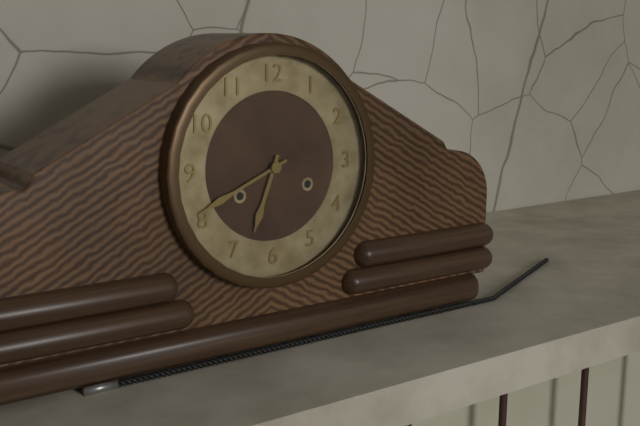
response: 6h41
